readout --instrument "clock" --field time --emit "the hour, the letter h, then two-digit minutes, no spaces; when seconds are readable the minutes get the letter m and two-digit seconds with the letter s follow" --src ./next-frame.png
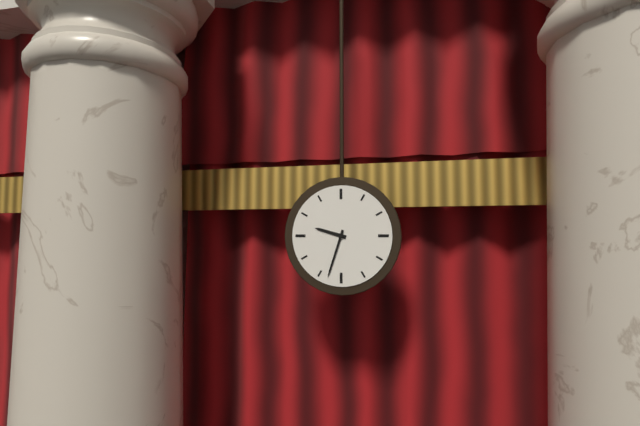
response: 9h33
